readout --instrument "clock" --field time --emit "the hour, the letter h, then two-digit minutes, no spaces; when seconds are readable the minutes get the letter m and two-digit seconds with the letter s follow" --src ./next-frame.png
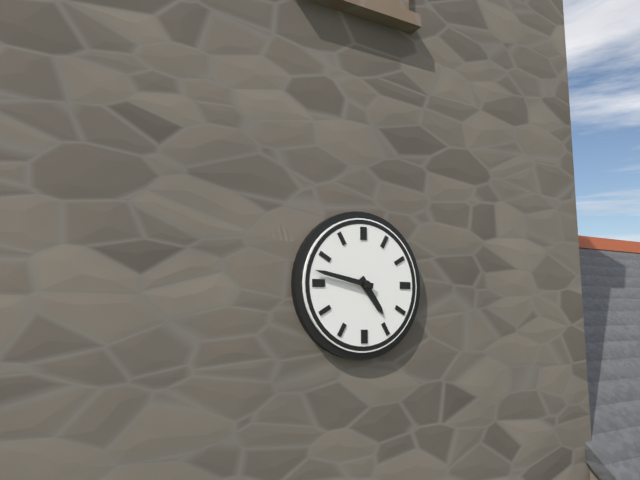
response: 4h47
